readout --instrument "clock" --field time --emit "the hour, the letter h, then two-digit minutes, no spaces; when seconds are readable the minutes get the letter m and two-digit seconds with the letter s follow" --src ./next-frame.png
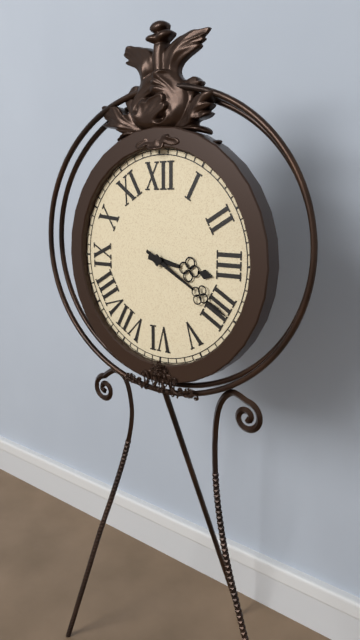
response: 3h20
